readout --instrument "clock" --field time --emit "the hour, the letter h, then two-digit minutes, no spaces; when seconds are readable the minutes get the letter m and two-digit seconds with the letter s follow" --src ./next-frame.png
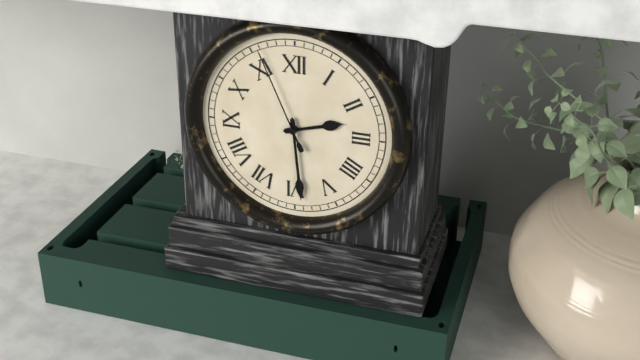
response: 2h29m56s
